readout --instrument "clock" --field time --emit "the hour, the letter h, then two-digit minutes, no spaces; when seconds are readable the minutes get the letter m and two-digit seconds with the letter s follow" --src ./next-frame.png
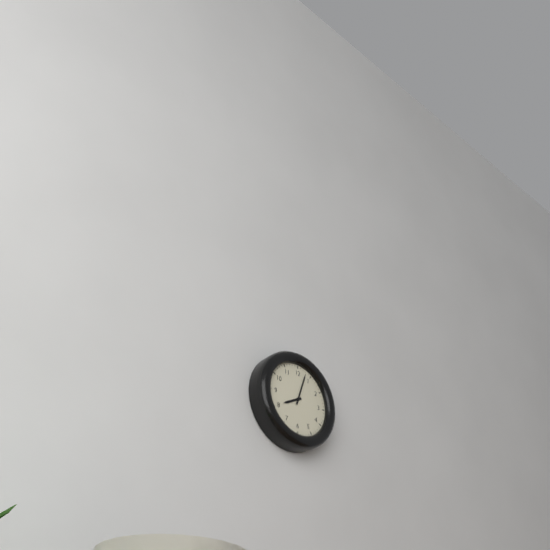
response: 8h03
